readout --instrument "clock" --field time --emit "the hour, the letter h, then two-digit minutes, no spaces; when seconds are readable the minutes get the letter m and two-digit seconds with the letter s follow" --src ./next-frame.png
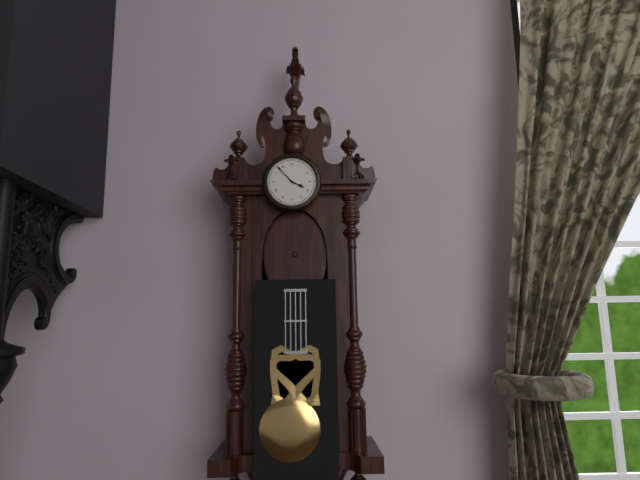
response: 3h53
